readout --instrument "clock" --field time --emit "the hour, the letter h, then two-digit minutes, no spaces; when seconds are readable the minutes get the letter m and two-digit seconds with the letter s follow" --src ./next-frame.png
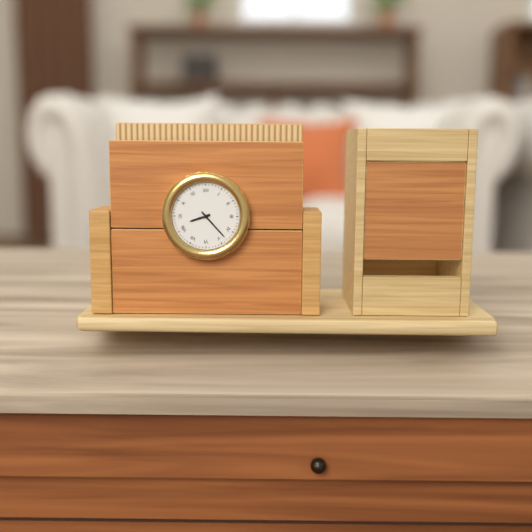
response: 8h23
